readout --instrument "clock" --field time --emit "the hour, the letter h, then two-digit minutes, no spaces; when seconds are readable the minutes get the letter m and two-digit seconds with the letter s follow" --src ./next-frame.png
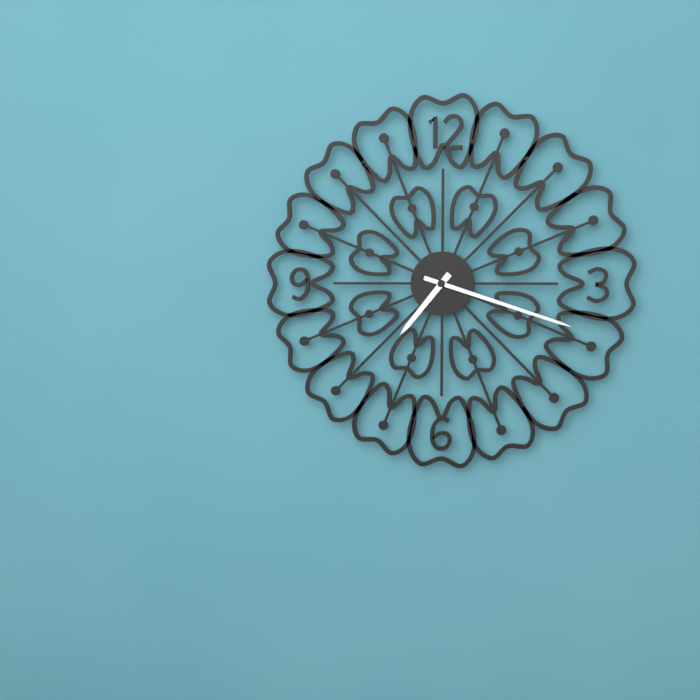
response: 7h18
